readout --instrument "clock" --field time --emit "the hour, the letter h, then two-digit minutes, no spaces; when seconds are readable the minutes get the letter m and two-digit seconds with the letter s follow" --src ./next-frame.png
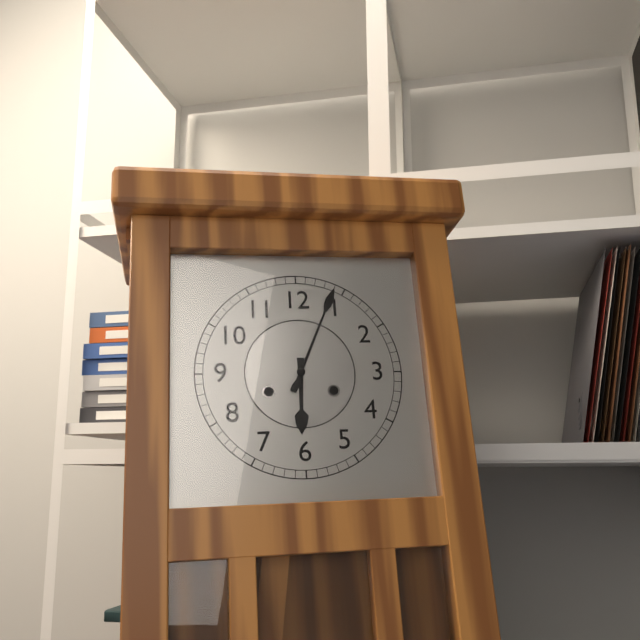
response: 6h04
